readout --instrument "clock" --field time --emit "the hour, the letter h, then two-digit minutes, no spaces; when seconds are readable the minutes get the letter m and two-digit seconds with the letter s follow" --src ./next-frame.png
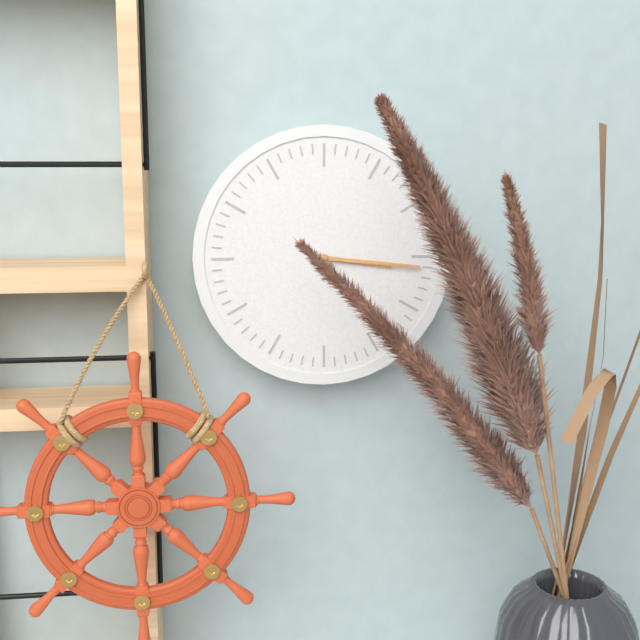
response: 3h16
